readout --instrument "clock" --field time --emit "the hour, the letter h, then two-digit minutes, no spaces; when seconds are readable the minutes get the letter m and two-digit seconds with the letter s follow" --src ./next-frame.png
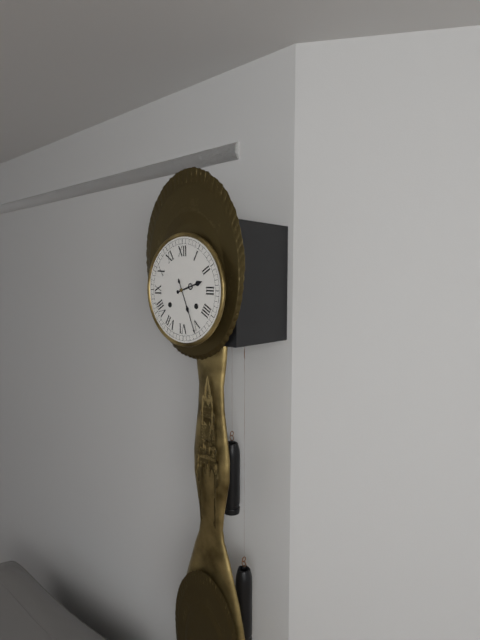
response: 2h26
